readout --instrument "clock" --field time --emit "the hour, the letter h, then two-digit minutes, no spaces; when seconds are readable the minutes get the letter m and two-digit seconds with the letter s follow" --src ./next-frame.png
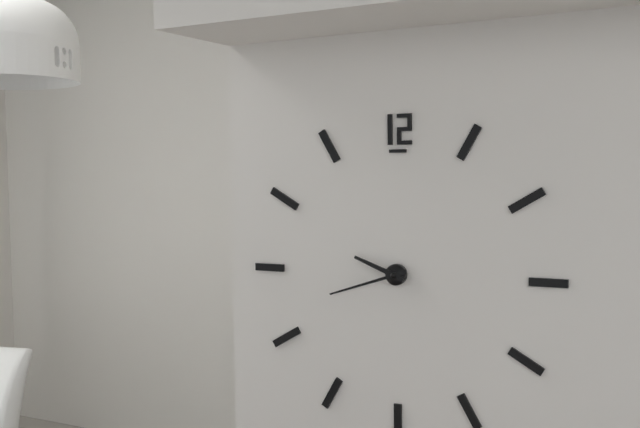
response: 9h42
